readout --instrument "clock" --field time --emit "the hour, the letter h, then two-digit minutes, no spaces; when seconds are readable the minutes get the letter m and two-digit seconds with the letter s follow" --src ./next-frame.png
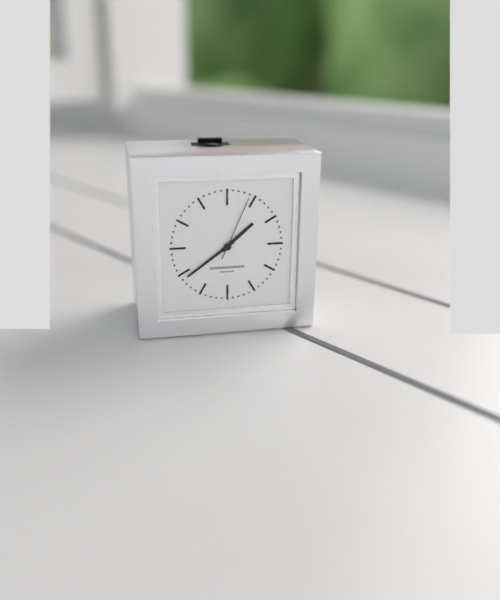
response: 1h39m04s
